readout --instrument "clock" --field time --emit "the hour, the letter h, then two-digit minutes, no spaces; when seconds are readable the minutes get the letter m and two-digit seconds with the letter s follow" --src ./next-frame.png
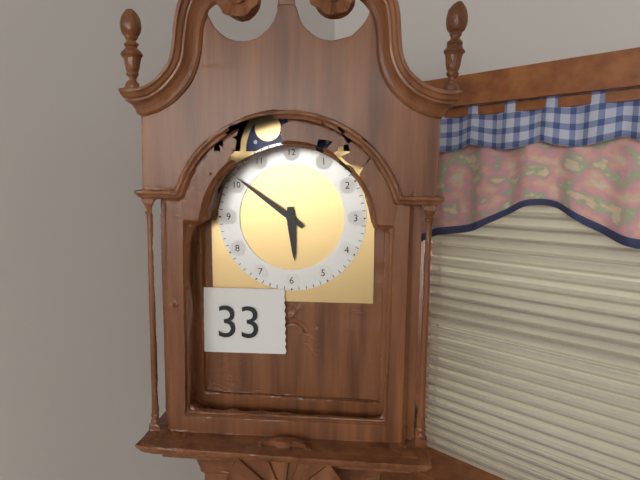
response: 5h51
